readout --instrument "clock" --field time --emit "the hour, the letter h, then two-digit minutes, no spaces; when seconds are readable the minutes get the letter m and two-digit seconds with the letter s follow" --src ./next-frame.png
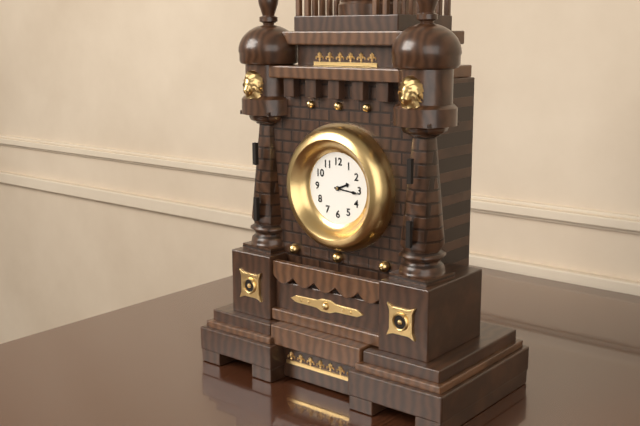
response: 2h16
